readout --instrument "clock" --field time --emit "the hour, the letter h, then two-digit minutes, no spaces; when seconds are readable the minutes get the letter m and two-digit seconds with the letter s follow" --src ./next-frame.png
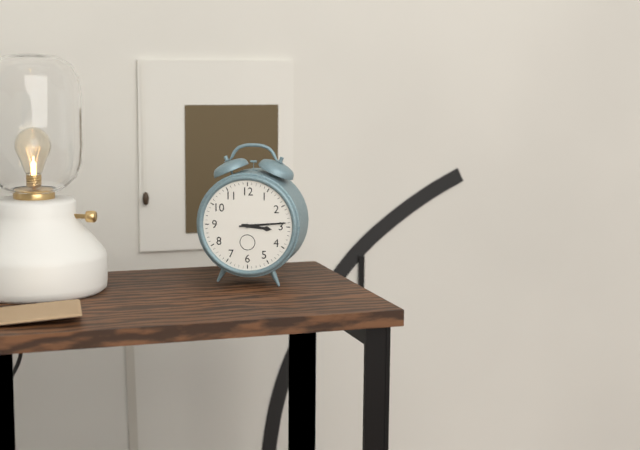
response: 3h14
